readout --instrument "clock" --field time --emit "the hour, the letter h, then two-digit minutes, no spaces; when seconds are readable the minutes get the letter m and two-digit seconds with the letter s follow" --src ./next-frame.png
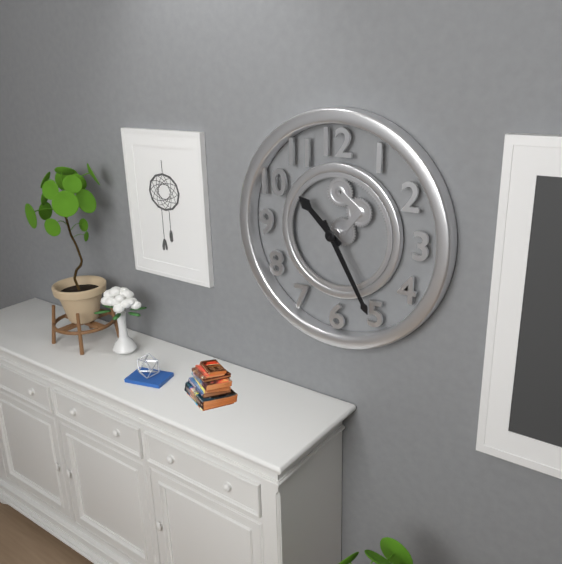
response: 10h25
